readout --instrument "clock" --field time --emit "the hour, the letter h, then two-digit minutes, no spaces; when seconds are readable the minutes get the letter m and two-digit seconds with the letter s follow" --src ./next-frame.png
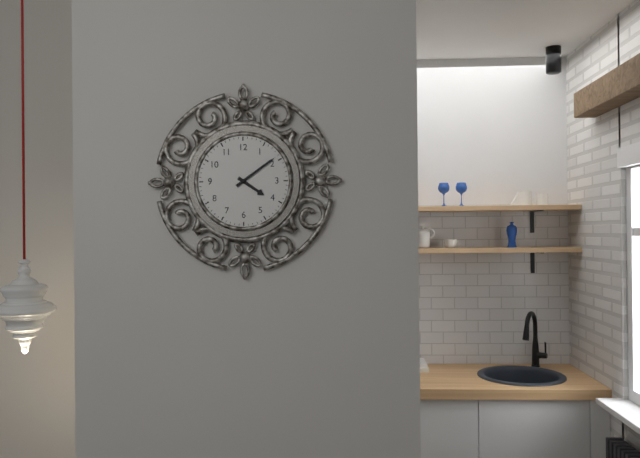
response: 4h09
